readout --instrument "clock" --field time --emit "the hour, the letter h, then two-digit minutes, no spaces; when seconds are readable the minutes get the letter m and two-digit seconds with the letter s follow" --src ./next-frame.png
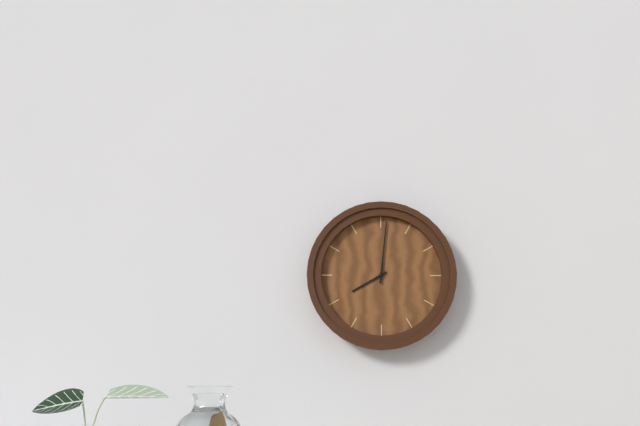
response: 8h01
